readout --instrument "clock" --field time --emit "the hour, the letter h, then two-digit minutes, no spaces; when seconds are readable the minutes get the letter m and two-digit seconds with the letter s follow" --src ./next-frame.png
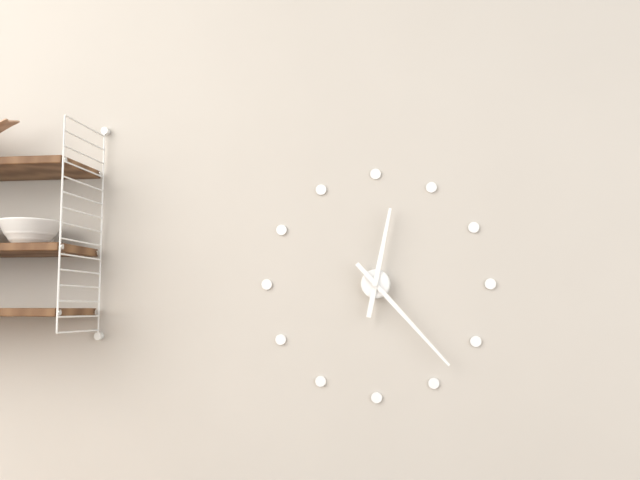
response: 12h23
